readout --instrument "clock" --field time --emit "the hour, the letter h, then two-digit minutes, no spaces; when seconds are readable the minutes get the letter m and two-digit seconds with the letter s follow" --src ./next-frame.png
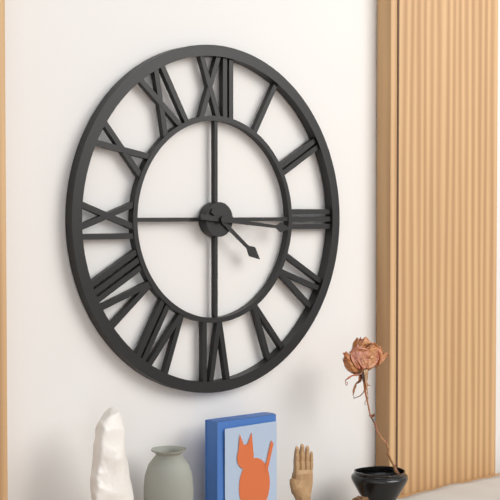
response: 4h16
